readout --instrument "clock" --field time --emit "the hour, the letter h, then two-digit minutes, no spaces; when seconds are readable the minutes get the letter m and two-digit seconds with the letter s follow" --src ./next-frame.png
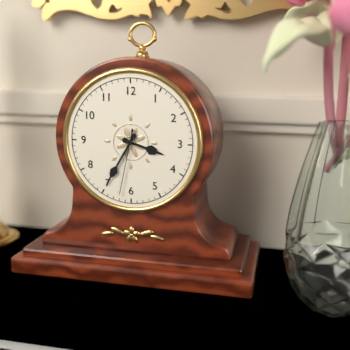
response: 3h35m32s
